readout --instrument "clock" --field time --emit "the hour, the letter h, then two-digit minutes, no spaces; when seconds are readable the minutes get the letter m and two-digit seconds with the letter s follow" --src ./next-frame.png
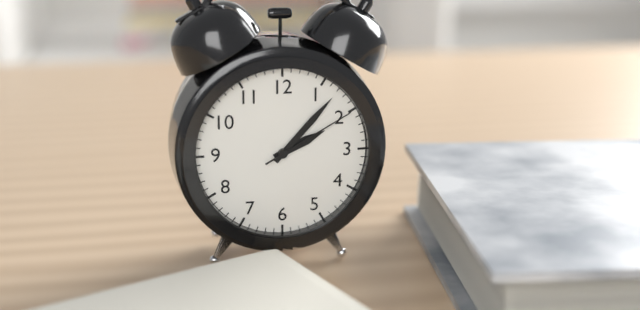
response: 2h07m10s
